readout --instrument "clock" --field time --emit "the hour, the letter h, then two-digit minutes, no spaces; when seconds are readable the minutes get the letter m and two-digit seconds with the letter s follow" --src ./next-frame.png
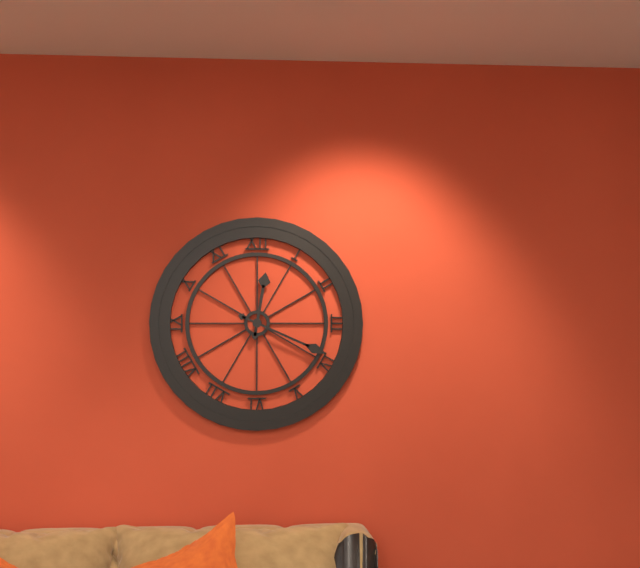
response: 12h19
